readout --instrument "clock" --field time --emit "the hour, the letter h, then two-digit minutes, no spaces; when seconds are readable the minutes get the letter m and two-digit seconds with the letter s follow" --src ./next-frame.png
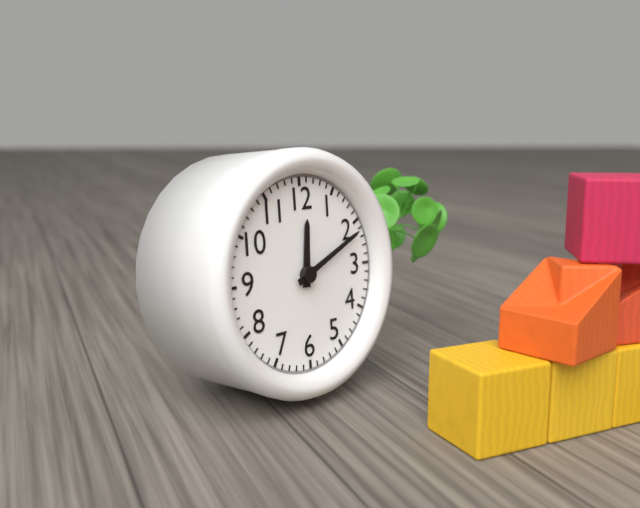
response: 12h11
